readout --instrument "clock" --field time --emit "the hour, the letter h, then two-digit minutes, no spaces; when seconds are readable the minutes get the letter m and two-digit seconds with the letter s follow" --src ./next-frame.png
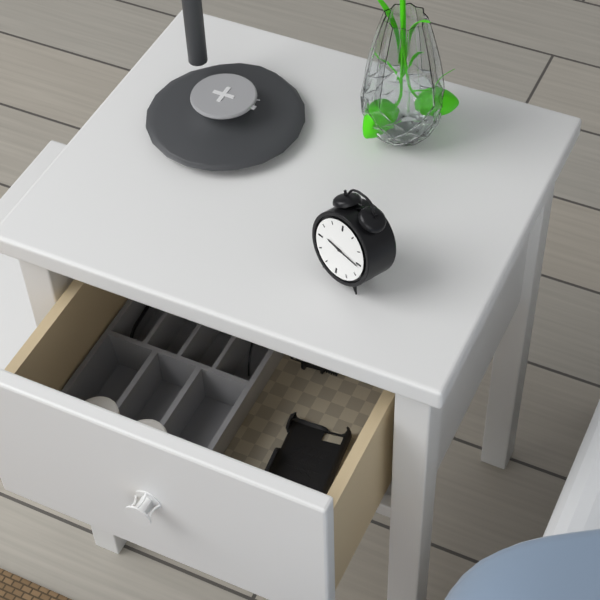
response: 9h16
